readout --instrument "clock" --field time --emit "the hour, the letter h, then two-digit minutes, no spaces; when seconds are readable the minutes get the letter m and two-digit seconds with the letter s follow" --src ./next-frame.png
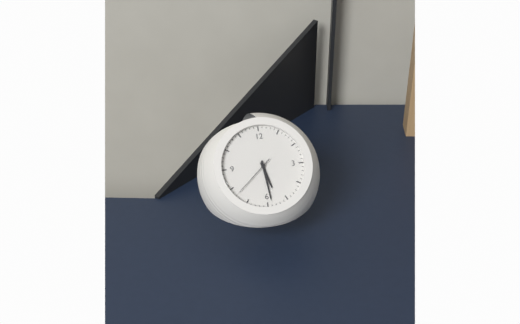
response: 5h29
